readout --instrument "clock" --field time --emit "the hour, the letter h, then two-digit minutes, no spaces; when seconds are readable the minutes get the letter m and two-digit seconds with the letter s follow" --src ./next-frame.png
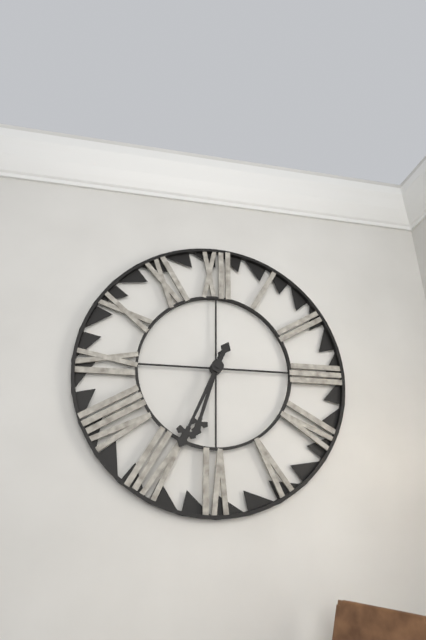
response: 6h34
